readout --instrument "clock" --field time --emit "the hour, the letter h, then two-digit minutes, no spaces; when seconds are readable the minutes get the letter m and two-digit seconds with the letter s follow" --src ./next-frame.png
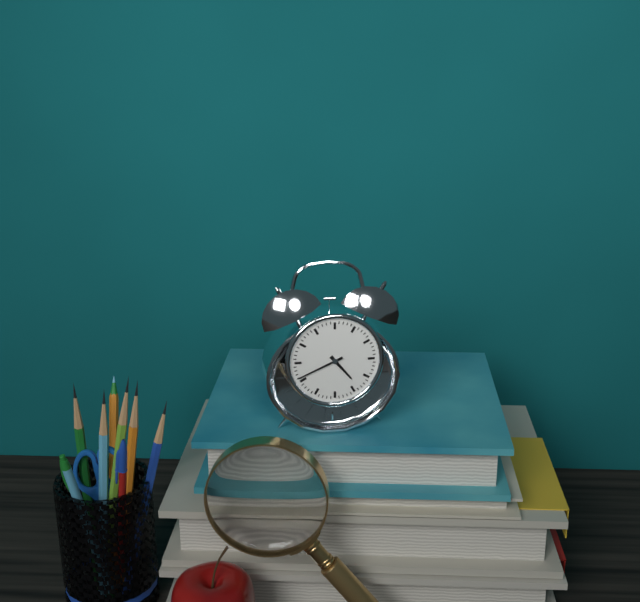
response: 4h41
